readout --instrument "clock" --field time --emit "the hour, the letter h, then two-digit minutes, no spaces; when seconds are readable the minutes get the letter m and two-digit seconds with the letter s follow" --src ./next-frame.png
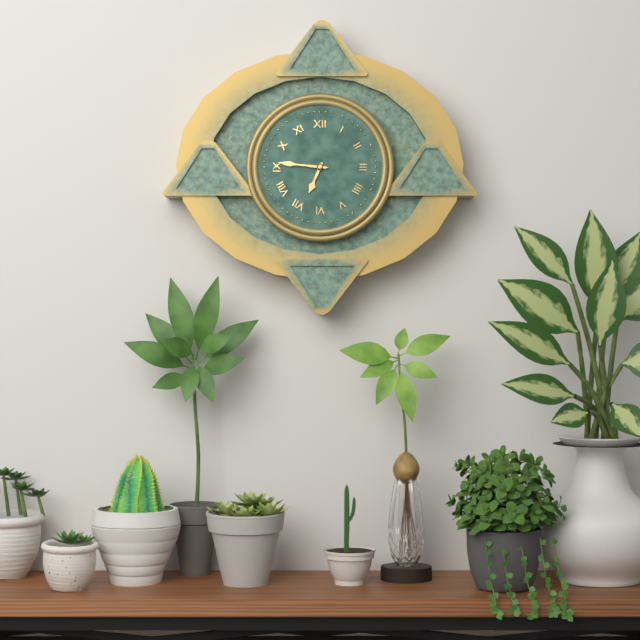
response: 6h46
